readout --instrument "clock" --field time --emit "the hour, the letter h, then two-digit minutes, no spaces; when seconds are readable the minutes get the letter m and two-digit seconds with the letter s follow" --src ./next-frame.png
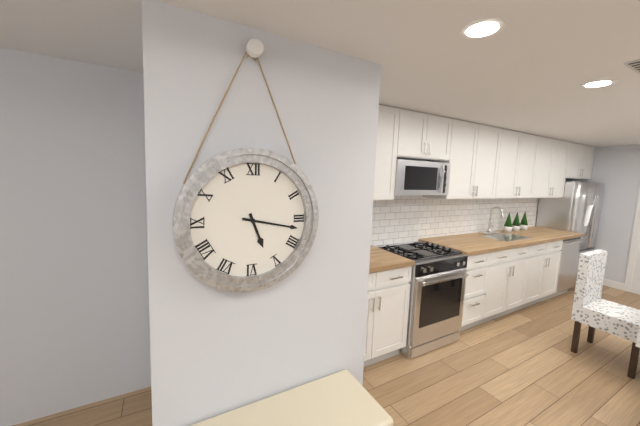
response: 5h17
